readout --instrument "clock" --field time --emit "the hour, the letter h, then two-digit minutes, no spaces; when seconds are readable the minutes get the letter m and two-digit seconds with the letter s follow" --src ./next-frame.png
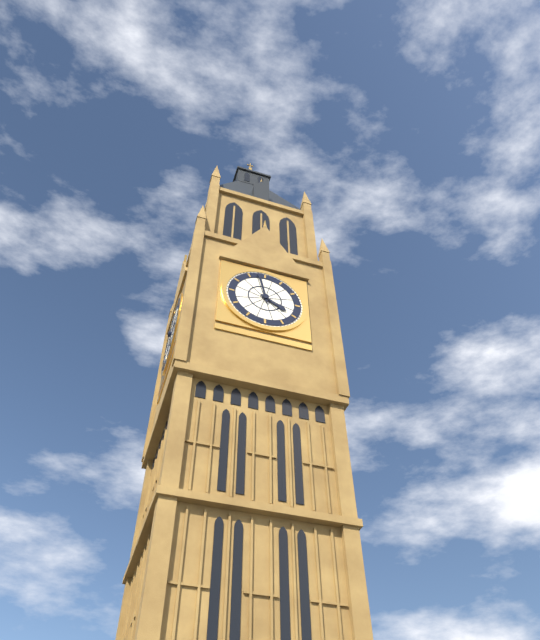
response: 3h58
